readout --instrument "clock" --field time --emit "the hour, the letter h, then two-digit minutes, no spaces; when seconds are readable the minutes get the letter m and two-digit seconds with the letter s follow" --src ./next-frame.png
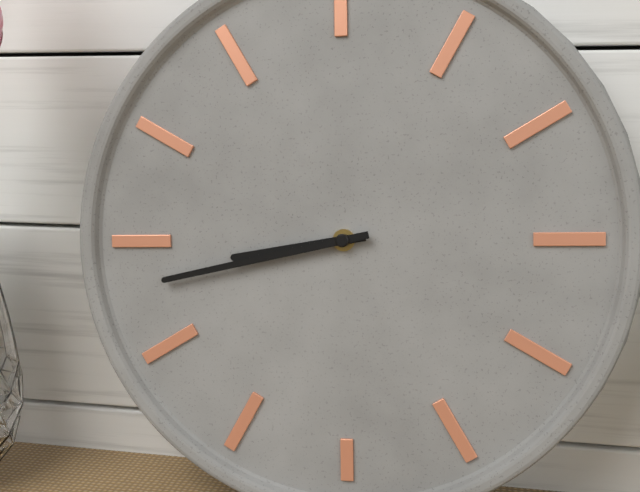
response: 8h43
